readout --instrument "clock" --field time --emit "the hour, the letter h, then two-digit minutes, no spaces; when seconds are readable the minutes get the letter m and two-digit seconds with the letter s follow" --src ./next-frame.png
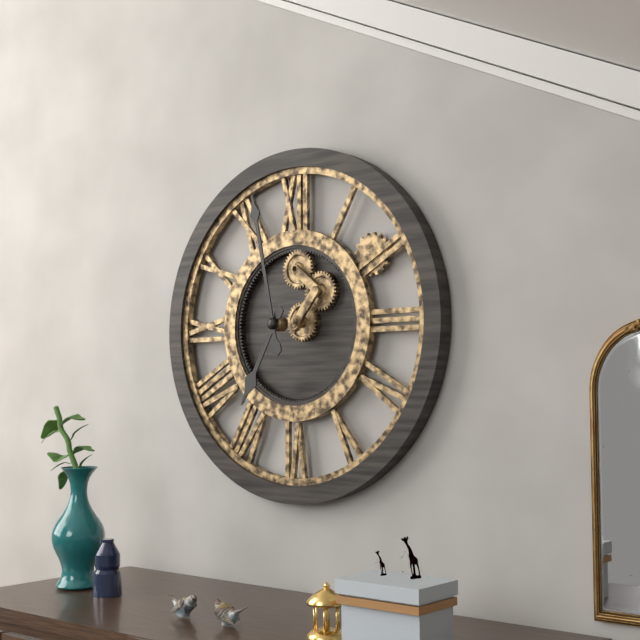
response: 6h58
